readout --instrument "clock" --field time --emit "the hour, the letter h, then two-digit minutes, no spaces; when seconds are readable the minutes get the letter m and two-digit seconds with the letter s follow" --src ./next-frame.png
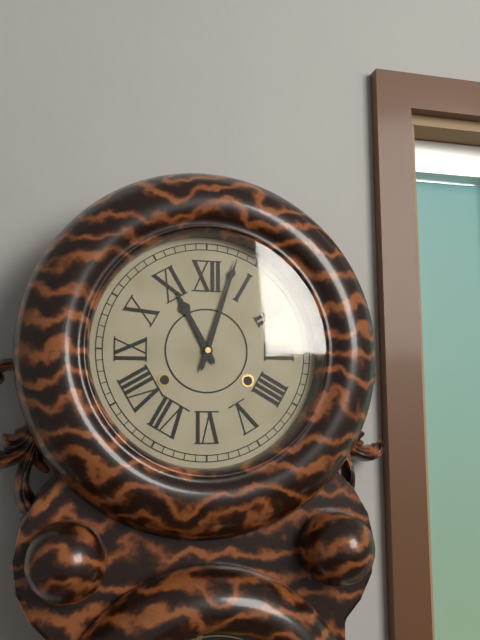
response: 11h03
